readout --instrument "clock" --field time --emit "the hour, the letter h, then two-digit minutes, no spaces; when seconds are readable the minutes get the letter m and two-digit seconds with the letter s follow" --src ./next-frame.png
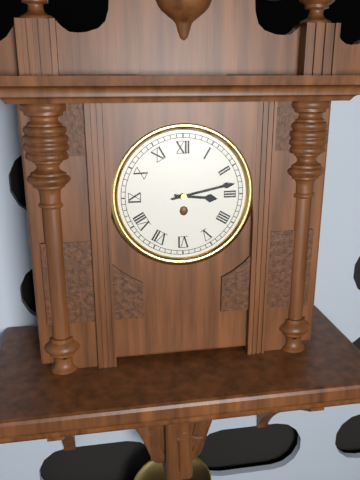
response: 3h13
